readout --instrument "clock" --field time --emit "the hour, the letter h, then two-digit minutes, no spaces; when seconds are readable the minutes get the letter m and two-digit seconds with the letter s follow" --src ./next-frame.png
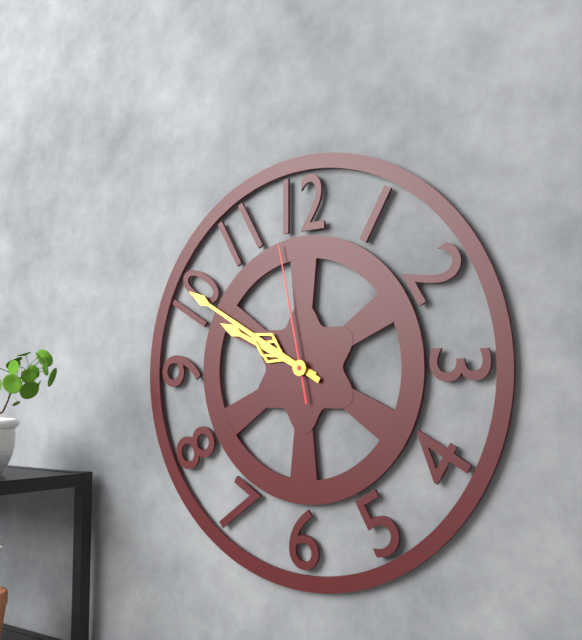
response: 9h50m58s
